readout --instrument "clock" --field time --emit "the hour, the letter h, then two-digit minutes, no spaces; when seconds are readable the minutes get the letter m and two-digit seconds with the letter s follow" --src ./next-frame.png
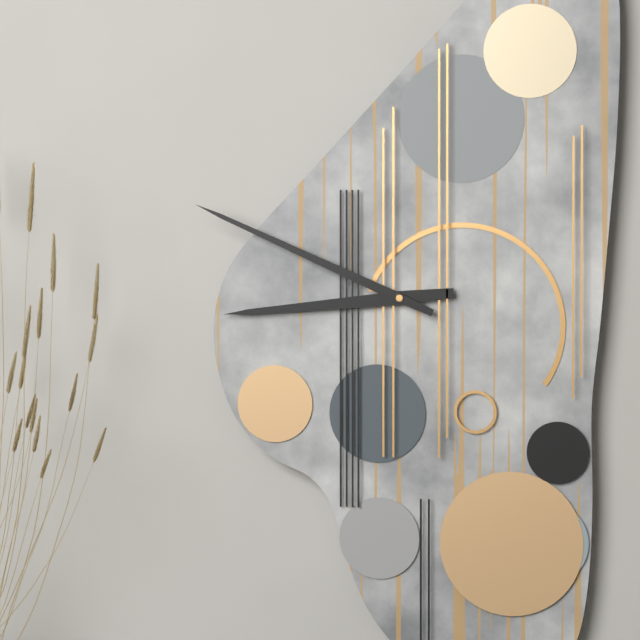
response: 8h49
